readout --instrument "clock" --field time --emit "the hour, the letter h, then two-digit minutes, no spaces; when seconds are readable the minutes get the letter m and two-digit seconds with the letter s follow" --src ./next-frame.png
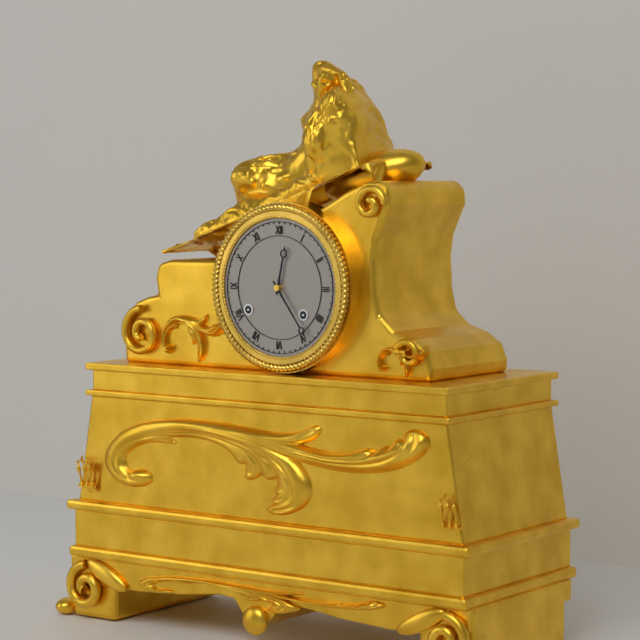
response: 12h24
